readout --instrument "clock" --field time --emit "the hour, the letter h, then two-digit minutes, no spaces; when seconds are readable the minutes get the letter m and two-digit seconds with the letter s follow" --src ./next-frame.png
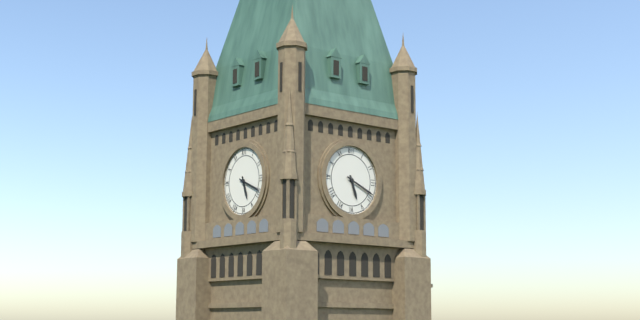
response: 5h19
